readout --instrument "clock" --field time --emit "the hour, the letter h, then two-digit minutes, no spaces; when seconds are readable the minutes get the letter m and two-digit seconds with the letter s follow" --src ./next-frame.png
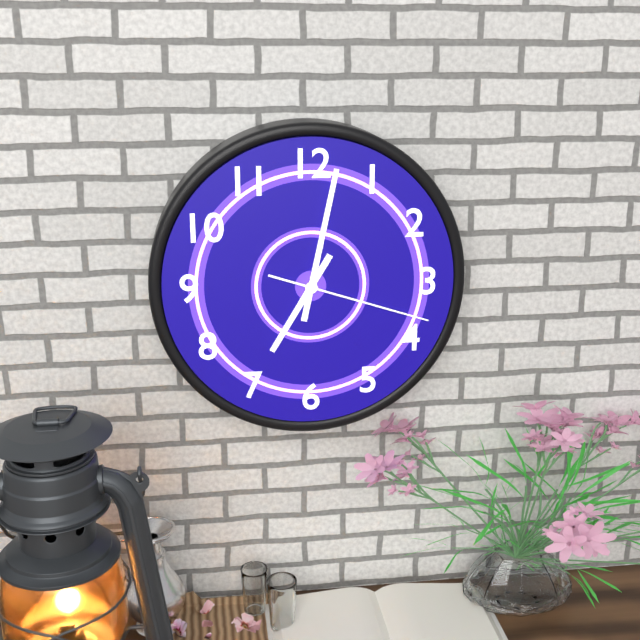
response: 7h02m18s
